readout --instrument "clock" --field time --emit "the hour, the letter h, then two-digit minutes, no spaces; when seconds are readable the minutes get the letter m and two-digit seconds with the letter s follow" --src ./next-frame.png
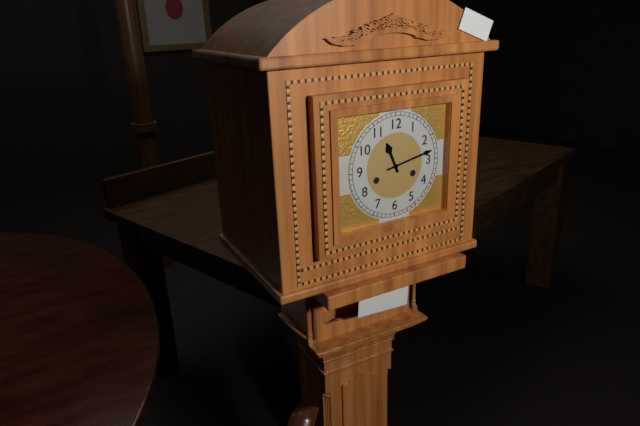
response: 11h13
